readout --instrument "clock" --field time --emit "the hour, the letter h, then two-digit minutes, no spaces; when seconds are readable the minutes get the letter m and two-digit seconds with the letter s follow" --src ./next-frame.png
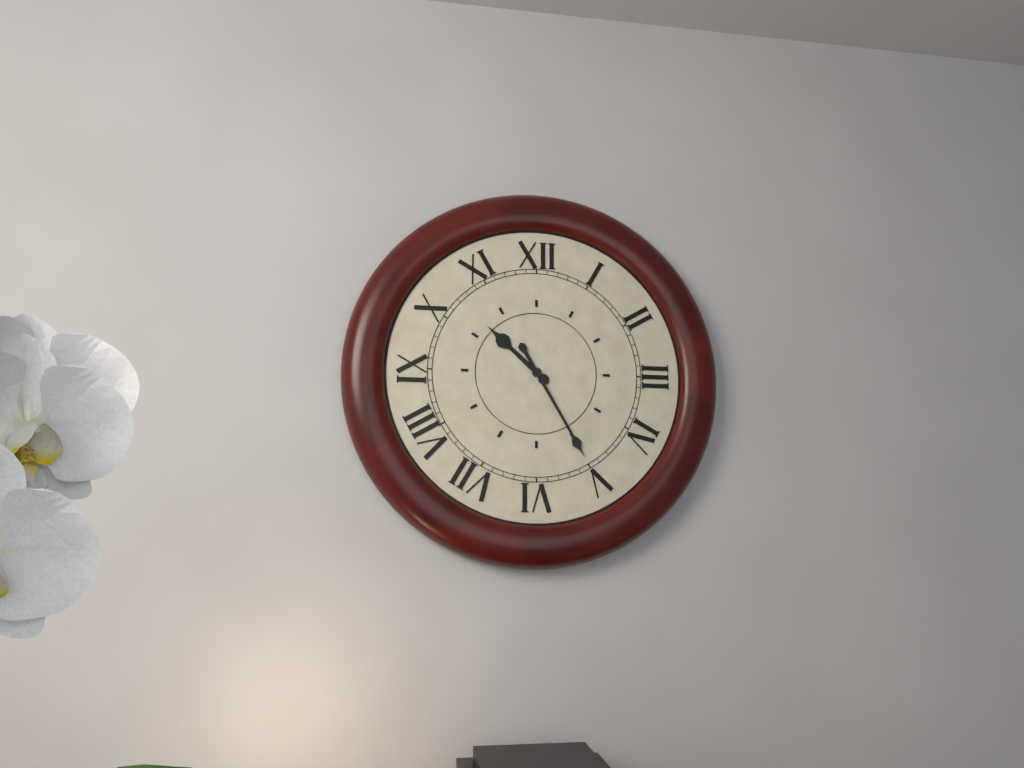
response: 10h25
